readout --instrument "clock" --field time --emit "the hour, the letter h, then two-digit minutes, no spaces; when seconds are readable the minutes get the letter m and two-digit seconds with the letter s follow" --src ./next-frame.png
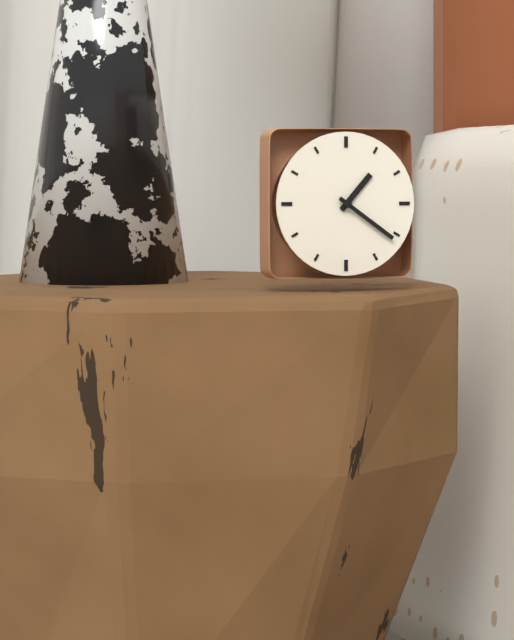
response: 1h21
